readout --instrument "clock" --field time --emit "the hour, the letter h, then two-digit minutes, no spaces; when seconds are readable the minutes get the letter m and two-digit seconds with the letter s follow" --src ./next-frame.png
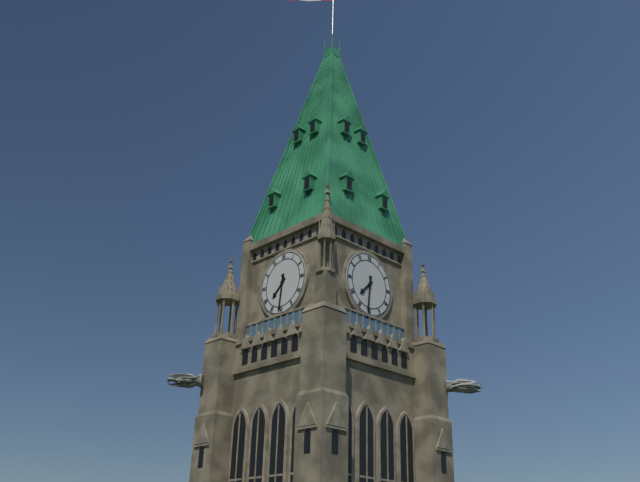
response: 7h31
